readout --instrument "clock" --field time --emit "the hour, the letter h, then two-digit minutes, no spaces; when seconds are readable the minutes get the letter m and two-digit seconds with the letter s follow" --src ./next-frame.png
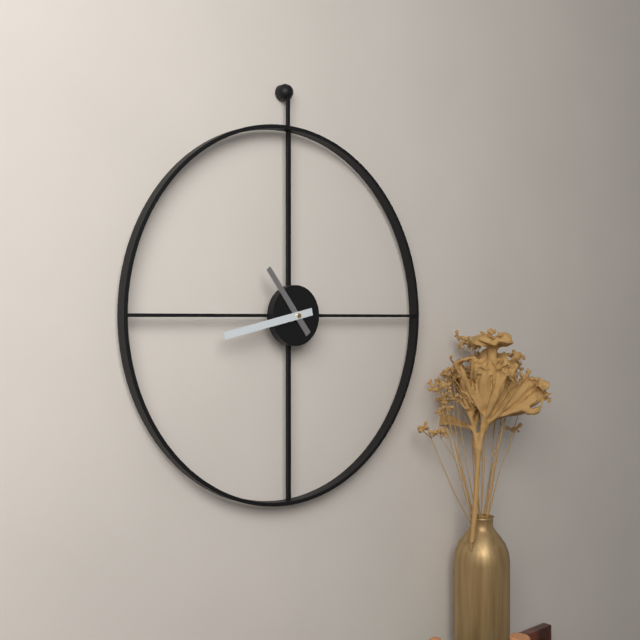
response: 10h43
